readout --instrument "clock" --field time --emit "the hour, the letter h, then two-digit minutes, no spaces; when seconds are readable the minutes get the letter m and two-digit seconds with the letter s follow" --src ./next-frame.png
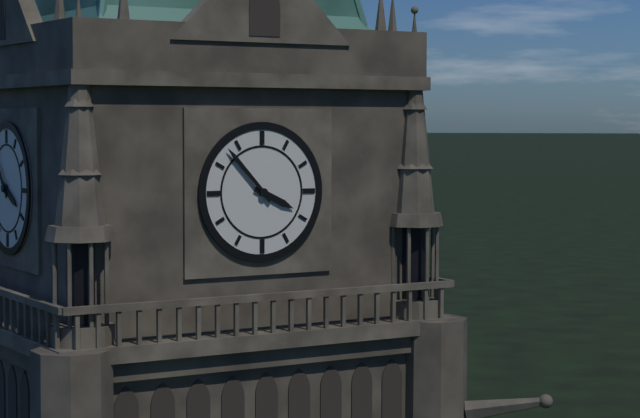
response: 3h53
